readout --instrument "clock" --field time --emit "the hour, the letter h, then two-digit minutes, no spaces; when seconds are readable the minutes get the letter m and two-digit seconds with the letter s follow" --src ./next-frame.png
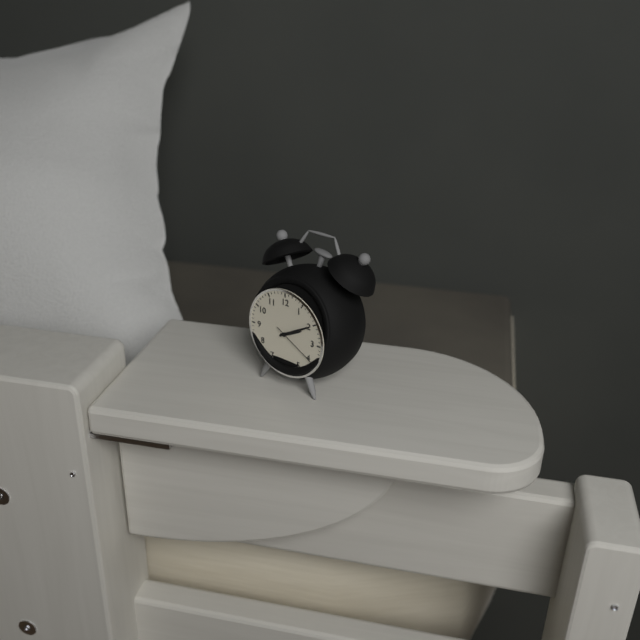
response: 2h10
